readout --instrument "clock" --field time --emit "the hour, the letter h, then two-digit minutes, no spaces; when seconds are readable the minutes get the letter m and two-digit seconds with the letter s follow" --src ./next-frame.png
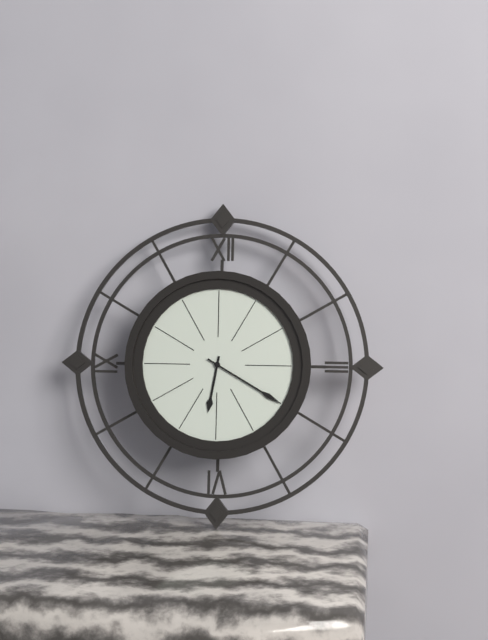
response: 6h20
